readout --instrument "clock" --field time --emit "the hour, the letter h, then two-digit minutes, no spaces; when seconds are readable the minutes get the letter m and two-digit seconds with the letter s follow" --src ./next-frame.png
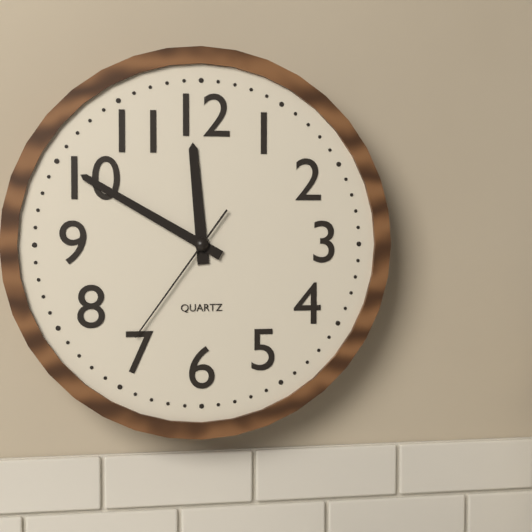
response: 11h50m36s
